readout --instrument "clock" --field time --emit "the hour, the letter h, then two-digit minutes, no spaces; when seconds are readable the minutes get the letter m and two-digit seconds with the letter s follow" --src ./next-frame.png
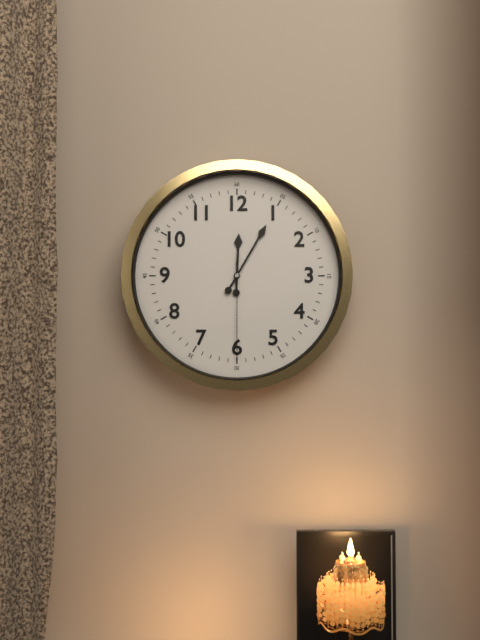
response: 12h05m30s
